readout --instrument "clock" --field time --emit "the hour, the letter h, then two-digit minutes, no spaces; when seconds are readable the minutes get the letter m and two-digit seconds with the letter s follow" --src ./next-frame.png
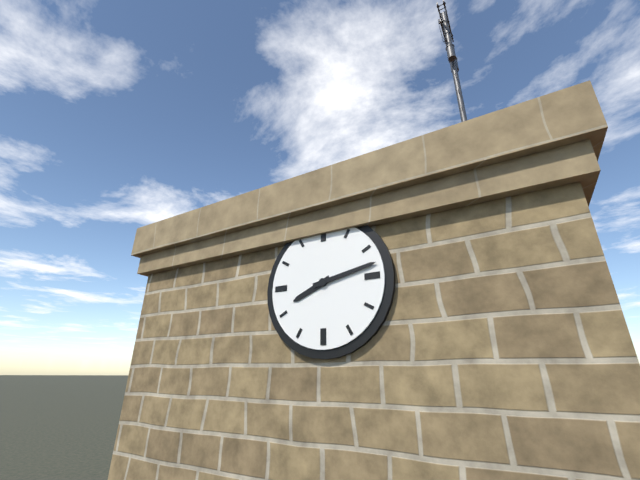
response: 8h13
